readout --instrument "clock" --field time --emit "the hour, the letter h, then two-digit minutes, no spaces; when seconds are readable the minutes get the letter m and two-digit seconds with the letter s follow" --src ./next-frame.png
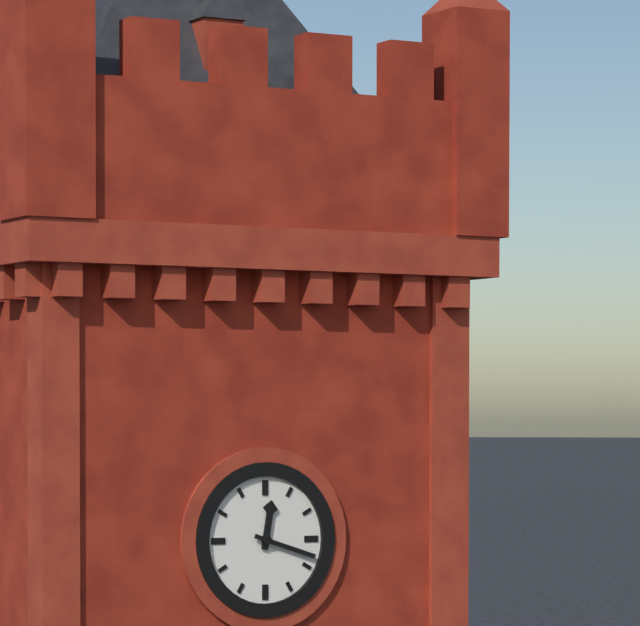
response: 12h18
